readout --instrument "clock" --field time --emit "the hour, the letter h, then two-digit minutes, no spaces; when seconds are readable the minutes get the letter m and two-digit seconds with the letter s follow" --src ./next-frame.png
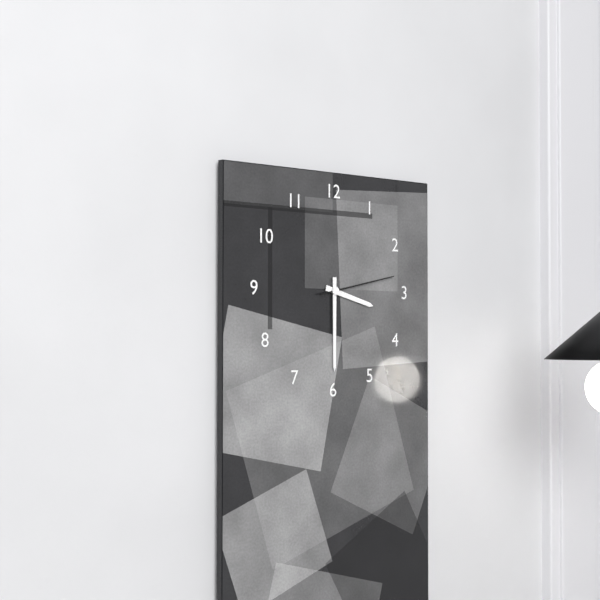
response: 3h30m13s
